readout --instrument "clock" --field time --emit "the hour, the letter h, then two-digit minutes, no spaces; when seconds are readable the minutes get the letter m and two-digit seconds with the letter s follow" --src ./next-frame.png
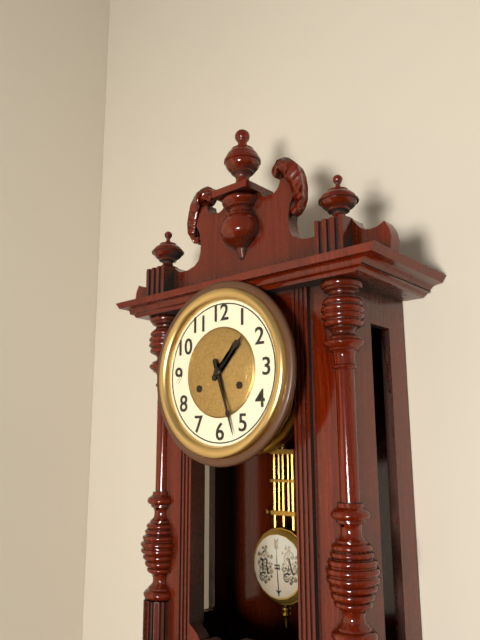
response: 1h27
